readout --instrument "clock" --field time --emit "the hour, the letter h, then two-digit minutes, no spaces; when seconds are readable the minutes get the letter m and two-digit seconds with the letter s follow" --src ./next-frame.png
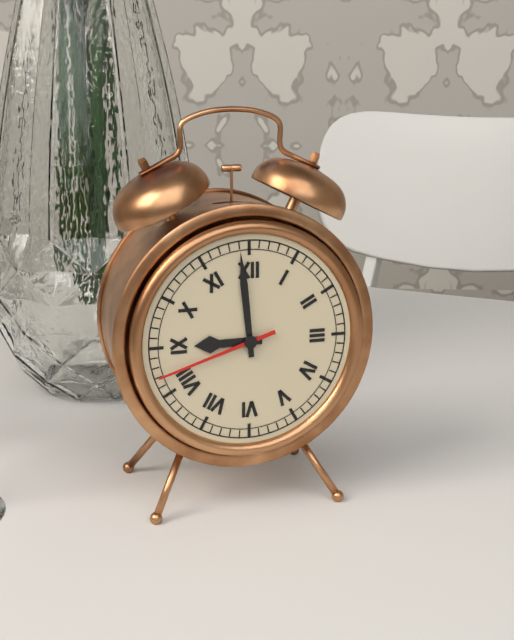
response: 8h59m42s
